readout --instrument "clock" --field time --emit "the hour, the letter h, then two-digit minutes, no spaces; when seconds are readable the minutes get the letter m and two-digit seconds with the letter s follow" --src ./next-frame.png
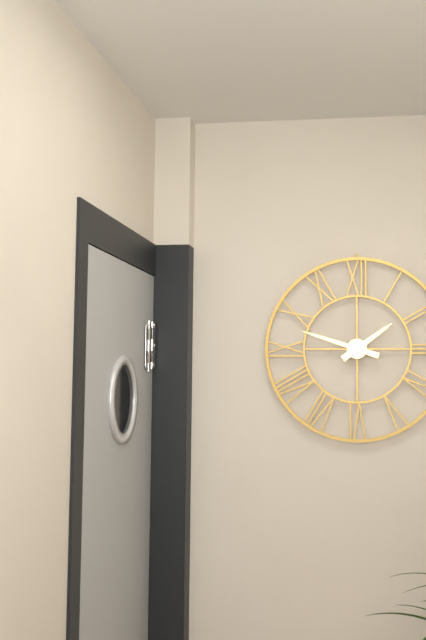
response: 1h48
